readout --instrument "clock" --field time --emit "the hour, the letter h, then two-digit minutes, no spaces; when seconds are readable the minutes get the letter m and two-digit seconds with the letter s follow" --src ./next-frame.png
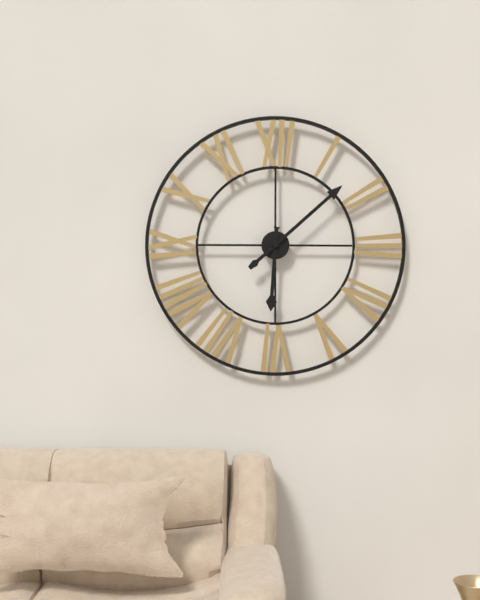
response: 6h08
